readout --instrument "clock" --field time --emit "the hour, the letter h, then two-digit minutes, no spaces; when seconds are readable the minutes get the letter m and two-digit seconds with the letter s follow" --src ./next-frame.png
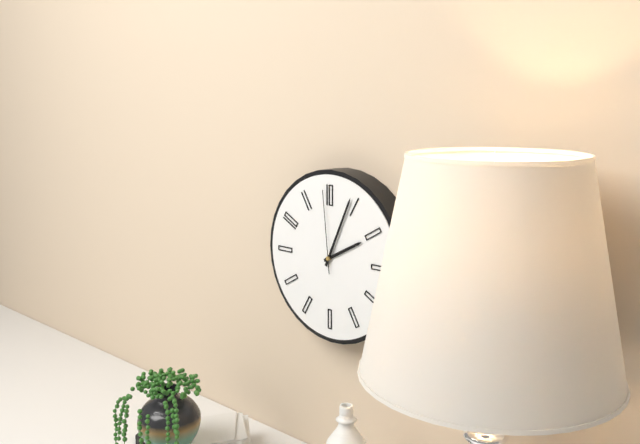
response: 2h04m59s
